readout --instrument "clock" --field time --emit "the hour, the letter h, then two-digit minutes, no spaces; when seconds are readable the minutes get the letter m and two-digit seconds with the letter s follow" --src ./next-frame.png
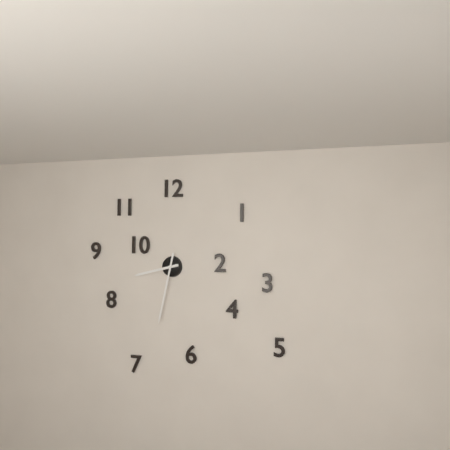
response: 8h32
